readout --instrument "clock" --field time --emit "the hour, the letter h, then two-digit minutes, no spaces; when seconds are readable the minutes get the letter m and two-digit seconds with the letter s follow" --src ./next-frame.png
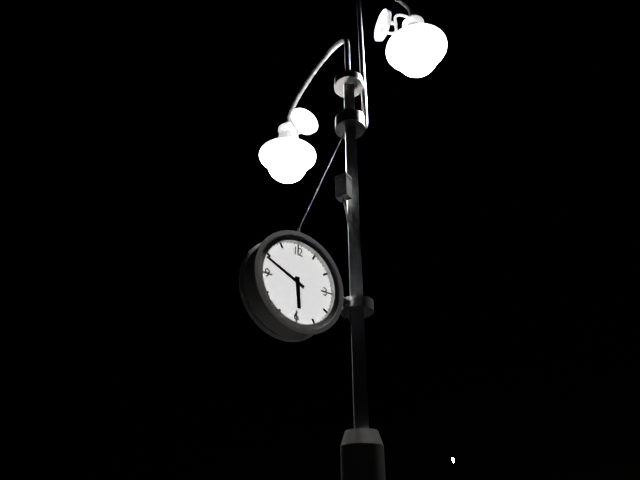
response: 5h49
